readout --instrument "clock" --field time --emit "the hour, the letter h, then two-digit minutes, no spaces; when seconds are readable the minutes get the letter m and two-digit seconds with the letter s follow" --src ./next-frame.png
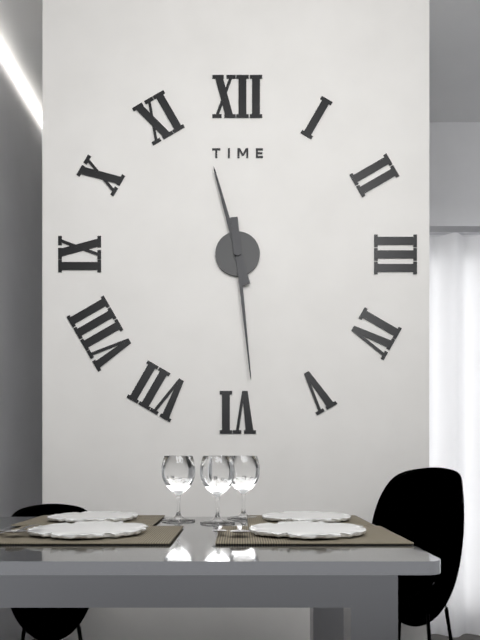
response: 11h29
